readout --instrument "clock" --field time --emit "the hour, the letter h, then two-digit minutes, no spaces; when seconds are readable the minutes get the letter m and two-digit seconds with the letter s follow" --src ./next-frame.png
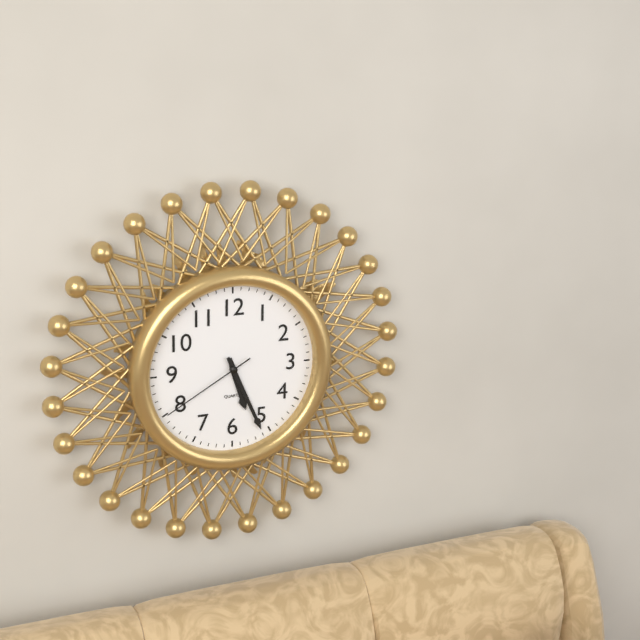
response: 5h26m40s
